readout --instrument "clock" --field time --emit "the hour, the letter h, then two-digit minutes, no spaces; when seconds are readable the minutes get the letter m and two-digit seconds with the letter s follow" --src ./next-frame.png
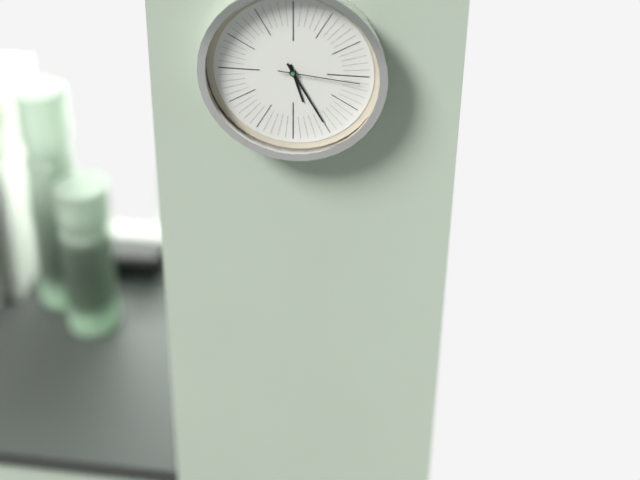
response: 5h25m16s
